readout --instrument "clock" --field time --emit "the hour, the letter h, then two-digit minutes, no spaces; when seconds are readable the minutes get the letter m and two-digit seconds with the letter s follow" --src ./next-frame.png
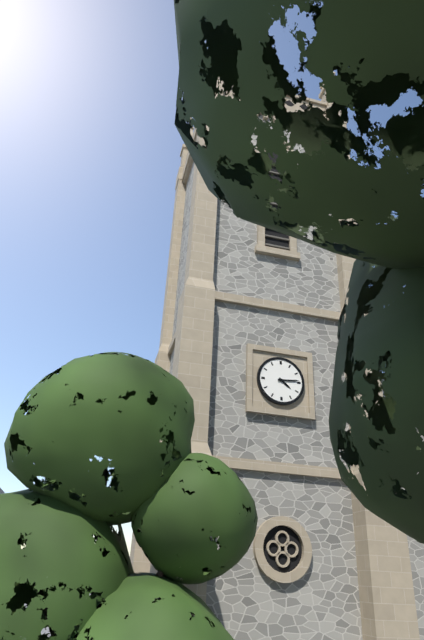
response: 4h14
